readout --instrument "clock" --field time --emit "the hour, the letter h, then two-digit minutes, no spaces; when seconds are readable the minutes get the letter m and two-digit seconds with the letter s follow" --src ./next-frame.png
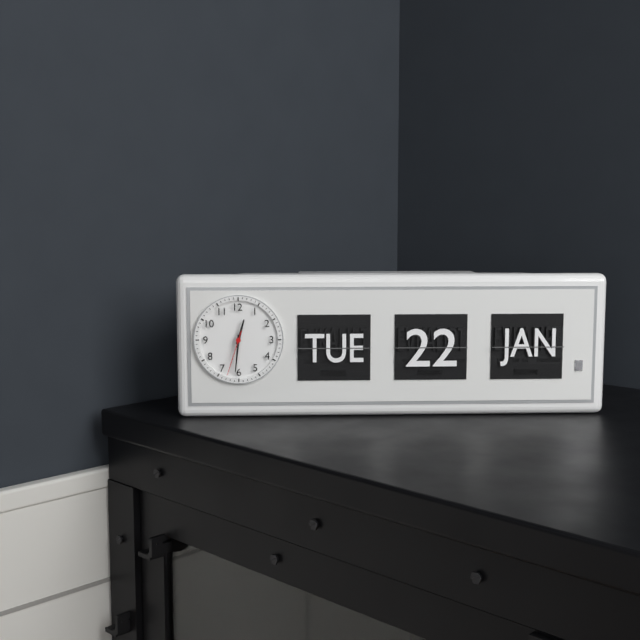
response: 12h31
